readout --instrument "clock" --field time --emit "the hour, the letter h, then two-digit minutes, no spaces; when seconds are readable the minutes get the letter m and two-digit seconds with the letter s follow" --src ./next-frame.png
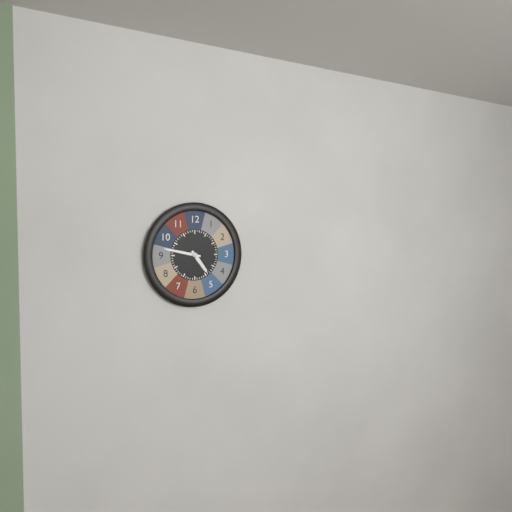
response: 4h47
